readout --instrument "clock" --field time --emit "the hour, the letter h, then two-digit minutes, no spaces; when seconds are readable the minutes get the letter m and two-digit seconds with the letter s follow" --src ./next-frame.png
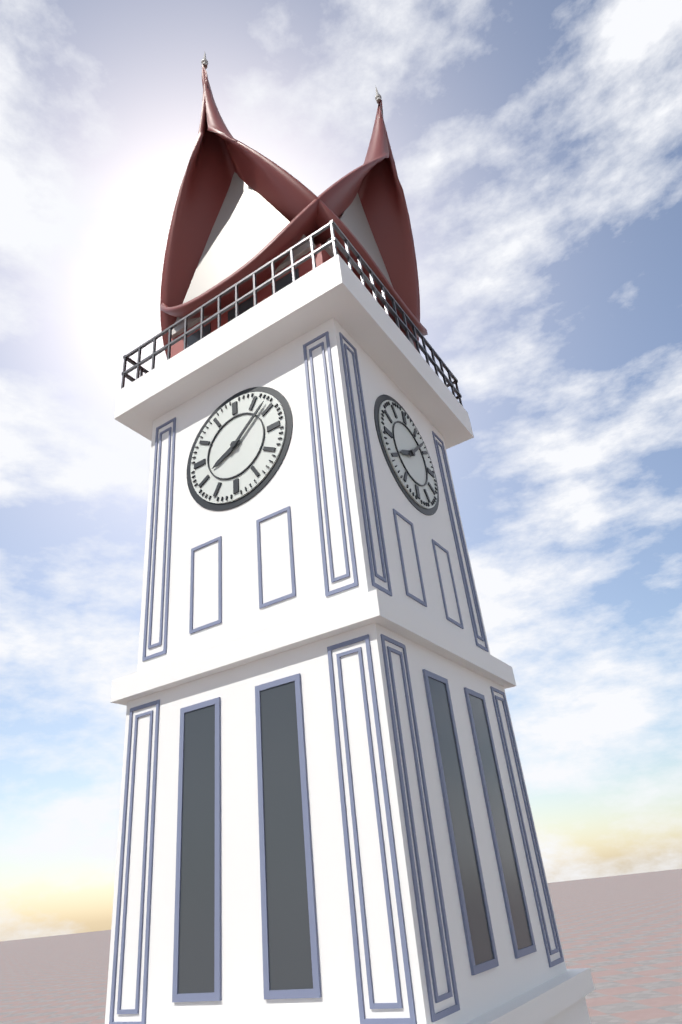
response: 8h08
